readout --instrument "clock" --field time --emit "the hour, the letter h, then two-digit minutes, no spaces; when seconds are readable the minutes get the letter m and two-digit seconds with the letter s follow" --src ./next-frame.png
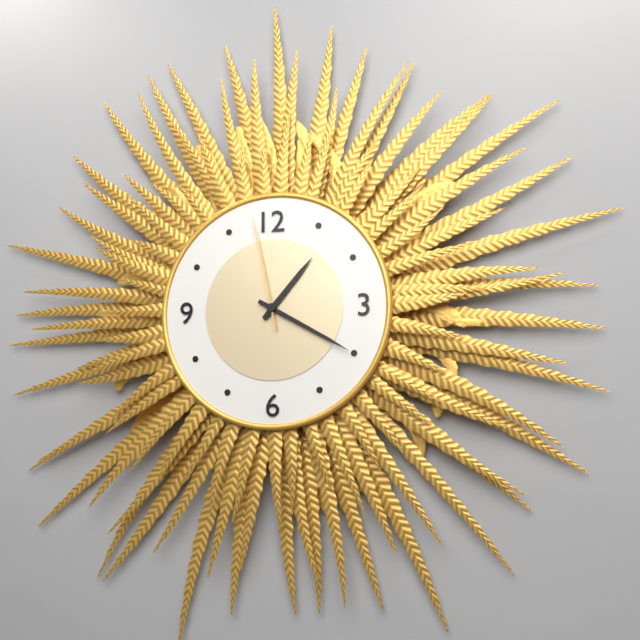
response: 1h20m58s
